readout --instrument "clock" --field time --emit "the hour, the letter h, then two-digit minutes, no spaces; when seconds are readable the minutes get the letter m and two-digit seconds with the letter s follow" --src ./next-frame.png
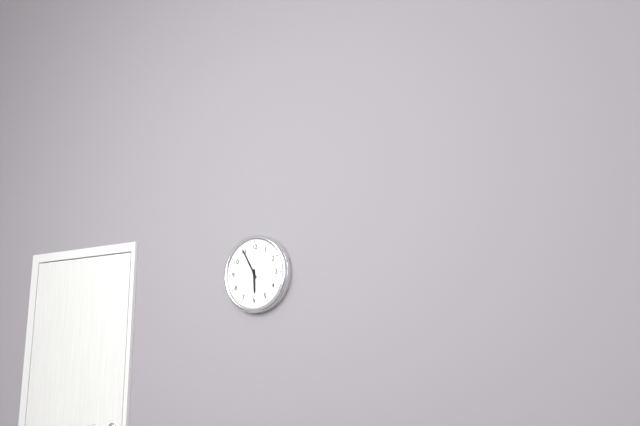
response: 5h55
